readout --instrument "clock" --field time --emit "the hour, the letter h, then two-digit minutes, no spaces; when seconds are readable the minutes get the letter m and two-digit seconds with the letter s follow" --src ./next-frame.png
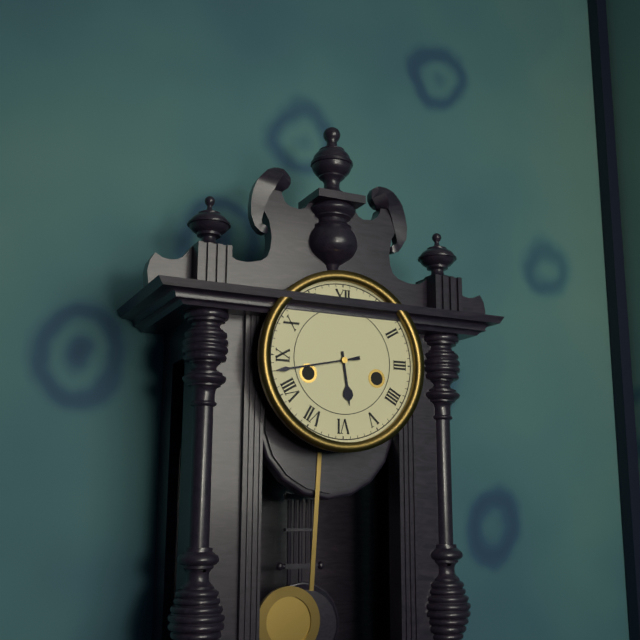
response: 5h43
